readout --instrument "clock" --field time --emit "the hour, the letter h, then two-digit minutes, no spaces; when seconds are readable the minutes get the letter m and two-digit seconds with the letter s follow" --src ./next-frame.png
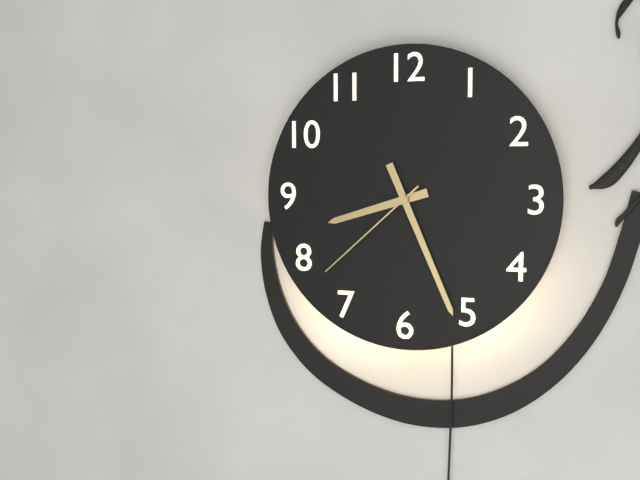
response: 8h26m38s
